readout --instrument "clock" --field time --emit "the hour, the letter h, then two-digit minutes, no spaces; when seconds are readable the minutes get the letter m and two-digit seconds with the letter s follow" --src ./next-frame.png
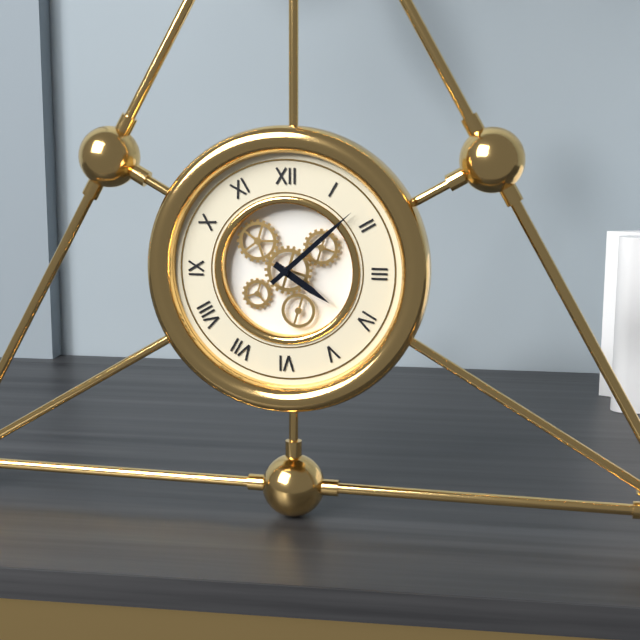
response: 4h08
